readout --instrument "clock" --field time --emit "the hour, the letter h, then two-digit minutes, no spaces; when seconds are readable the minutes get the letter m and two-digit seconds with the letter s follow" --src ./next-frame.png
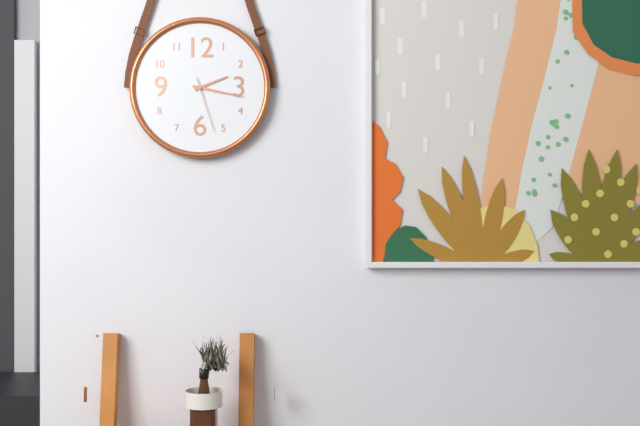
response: 2h17m27s
